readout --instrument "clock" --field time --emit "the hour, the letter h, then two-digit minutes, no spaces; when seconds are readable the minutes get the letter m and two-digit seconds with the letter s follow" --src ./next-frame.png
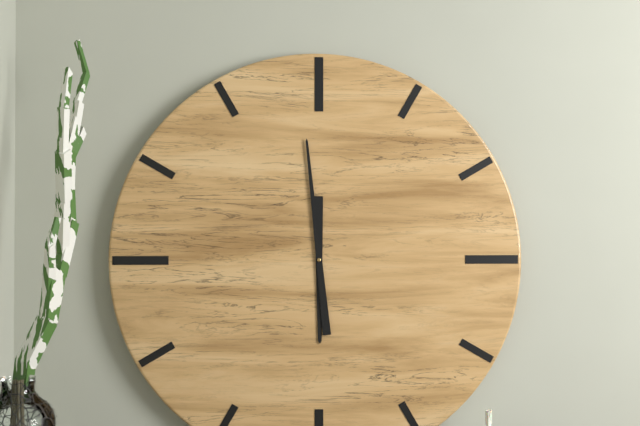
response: 5h59
